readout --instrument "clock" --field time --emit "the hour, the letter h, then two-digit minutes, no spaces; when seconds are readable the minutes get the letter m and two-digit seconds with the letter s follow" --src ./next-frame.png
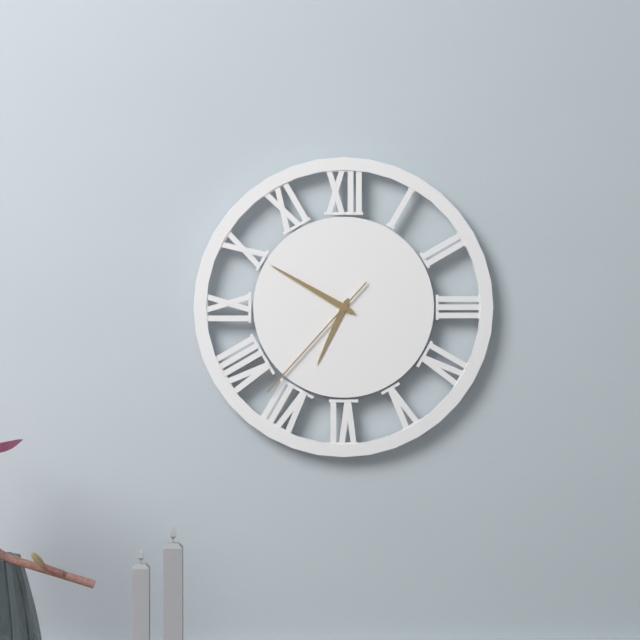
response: 6h50m37s
